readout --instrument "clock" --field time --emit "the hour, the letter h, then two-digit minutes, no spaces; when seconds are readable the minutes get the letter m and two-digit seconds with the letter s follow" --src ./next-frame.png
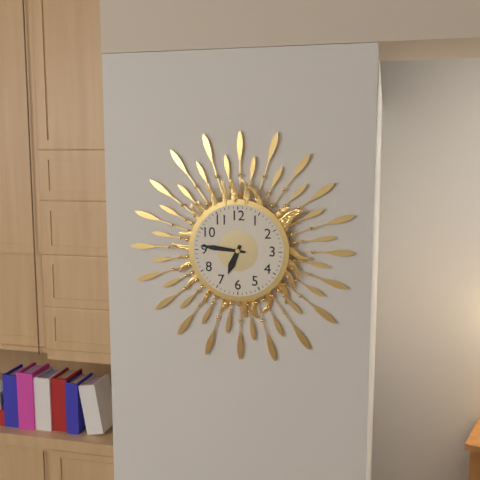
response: 6h46
